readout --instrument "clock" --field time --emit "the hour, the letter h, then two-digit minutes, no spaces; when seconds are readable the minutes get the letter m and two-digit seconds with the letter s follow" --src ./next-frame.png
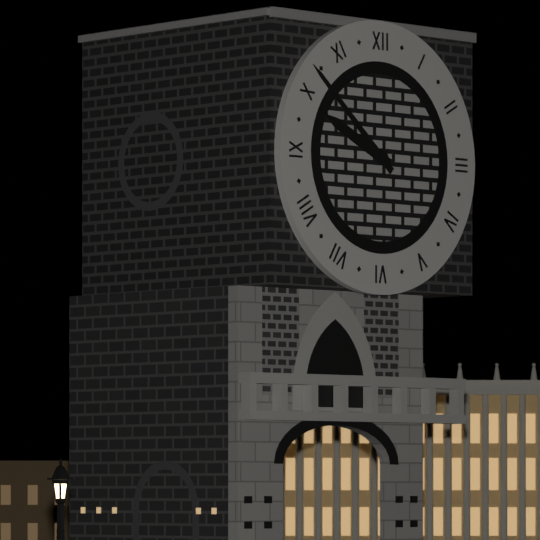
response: 9h52
